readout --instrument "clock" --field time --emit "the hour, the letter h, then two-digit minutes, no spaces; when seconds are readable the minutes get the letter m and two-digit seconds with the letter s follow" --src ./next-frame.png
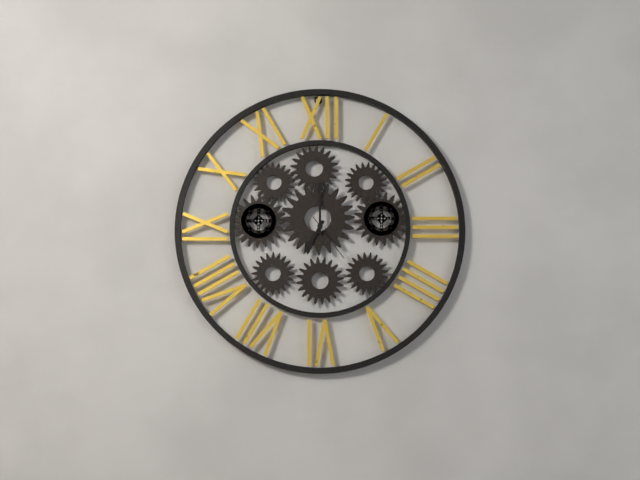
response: 7h00
